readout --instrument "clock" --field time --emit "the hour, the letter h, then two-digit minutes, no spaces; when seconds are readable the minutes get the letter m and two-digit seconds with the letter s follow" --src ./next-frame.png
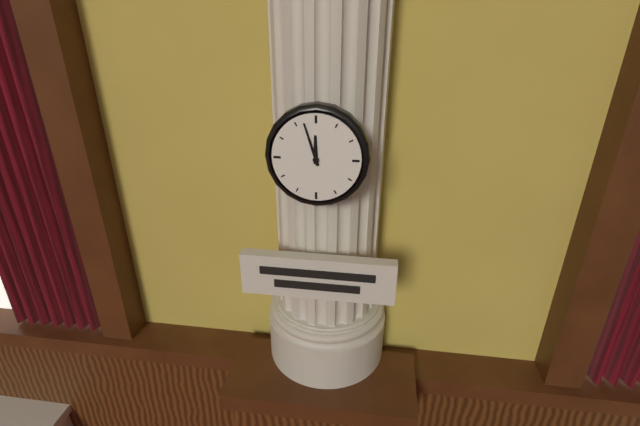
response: 11h57
